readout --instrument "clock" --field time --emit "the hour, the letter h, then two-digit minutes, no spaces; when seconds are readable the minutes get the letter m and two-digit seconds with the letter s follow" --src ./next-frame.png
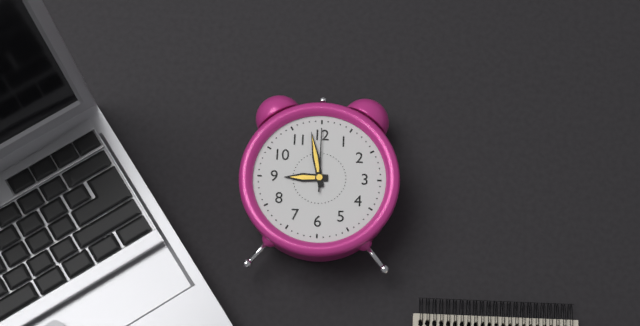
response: 8h58m00s
